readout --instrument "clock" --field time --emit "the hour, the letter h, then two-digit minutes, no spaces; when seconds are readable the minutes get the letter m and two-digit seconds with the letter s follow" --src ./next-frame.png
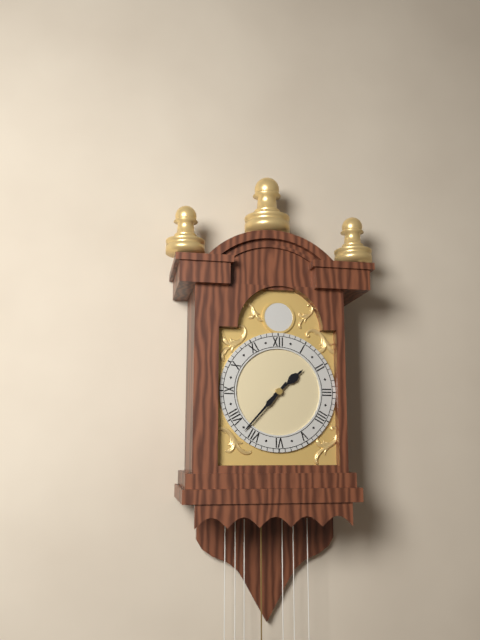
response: 1h37
